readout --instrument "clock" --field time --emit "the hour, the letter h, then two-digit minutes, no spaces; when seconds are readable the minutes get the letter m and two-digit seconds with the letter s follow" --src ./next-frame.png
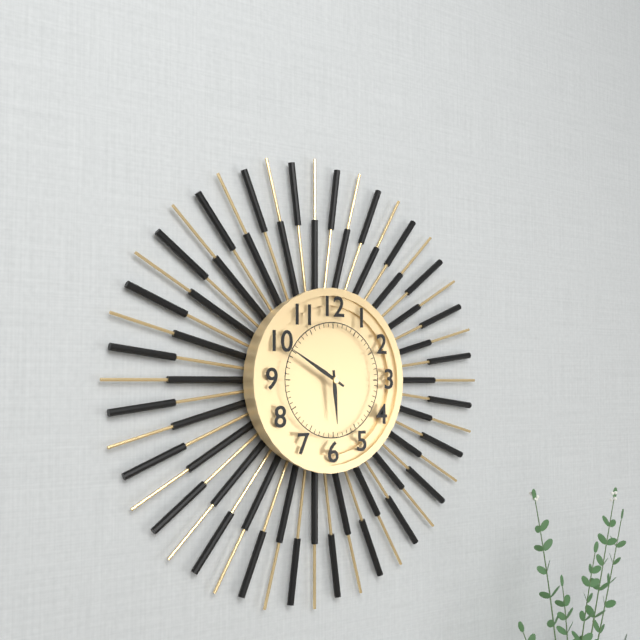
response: 5h50
